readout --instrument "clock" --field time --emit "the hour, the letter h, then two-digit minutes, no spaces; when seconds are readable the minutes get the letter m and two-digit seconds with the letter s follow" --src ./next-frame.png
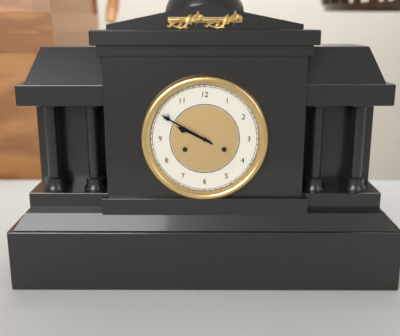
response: 9h50
